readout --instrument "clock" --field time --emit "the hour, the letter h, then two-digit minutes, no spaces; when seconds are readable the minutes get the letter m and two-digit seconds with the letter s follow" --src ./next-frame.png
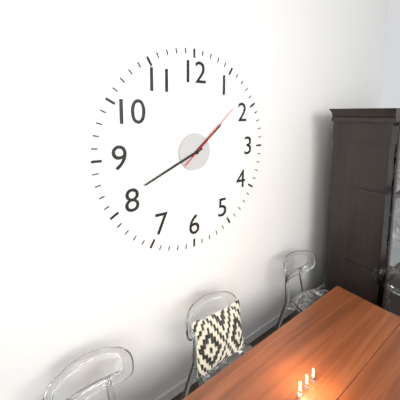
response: 1h41m08s
